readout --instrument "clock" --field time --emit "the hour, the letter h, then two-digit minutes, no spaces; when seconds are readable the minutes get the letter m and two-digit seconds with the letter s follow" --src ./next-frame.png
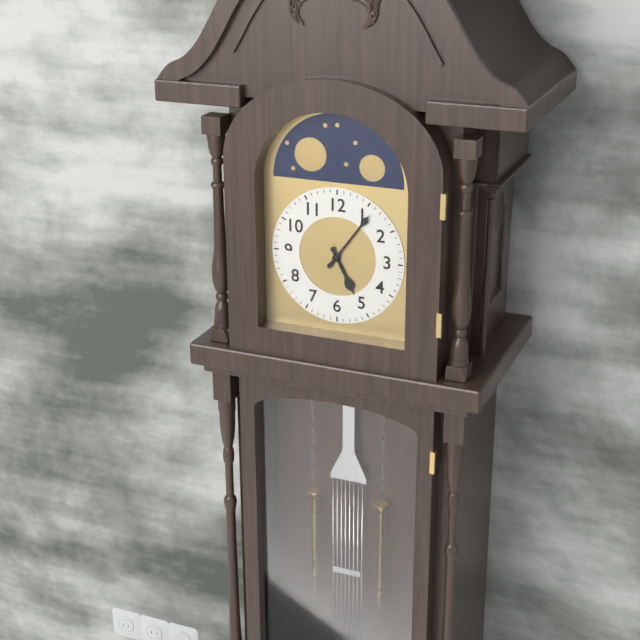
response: 5h06
